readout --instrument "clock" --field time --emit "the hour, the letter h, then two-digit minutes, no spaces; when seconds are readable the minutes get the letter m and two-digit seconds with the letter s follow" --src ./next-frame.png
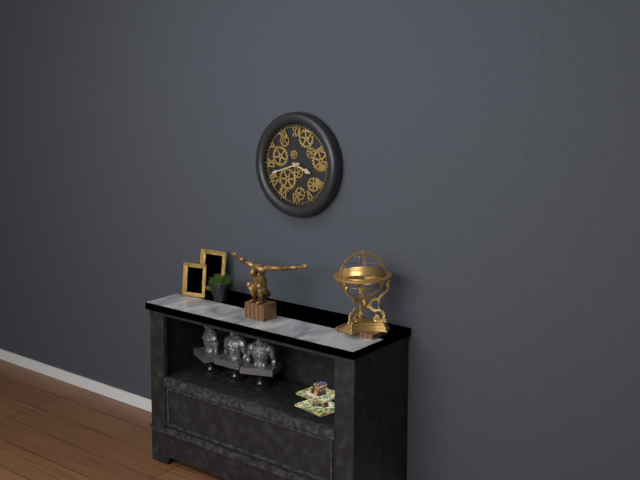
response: 3h42
